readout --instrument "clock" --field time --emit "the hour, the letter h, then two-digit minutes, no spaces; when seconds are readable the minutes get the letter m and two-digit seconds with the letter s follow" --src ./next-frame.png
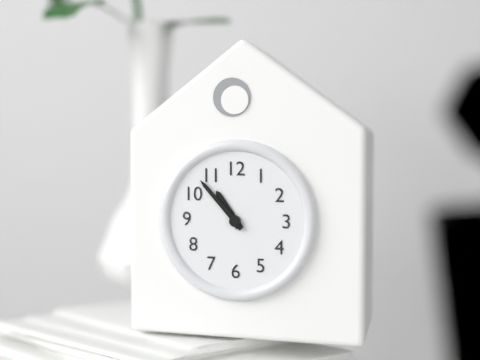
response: 10h53
